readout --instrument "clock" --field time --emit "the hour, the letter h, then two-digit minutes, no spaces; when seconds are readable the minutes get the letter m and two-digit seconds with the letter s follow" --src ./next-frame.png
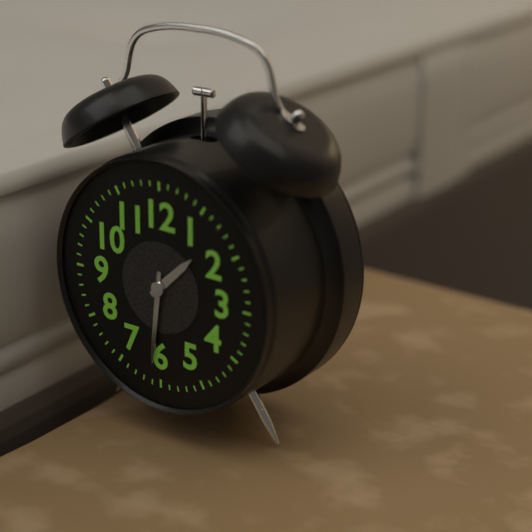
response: 1h31
